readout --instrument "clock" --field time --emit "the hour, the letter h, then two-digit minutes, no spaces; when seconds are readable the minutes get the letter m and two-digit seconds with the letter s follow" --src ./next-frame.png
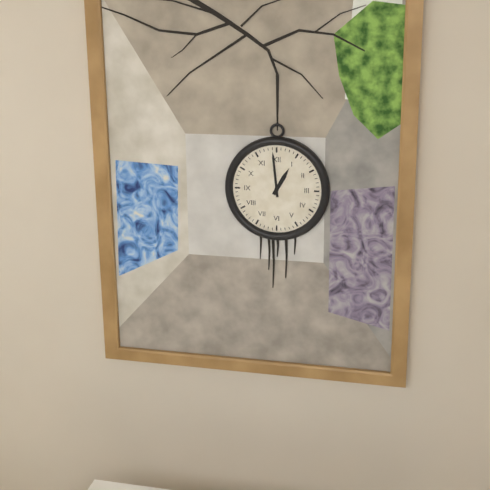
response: 12h59
